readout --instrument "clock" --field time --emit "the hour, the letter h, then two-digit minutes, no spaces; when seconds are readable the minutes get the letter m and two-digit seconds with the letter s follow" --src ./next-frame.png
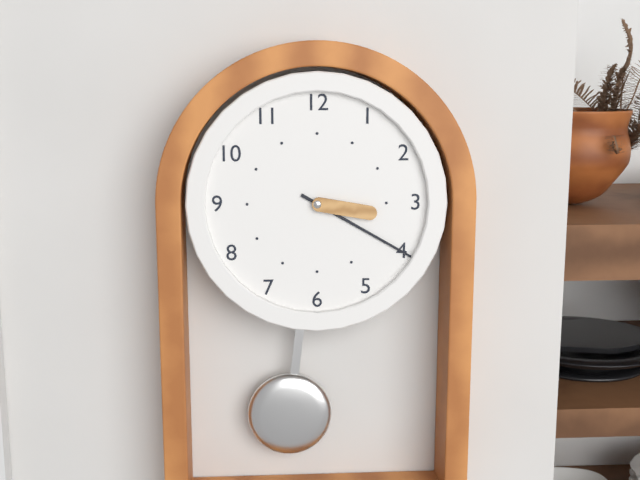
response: 3h20
